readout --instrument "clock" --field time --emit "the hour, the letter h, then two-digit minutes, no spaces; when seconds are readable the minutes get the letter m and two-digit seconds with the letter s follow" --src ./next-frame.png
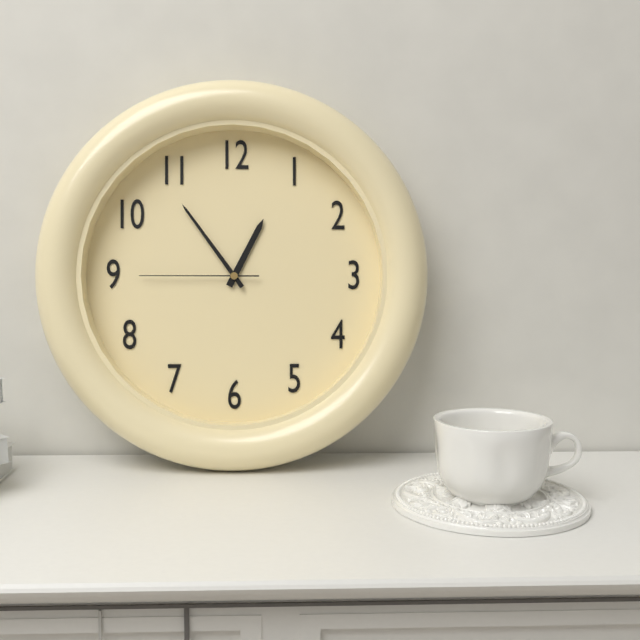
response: 12h54m45s
